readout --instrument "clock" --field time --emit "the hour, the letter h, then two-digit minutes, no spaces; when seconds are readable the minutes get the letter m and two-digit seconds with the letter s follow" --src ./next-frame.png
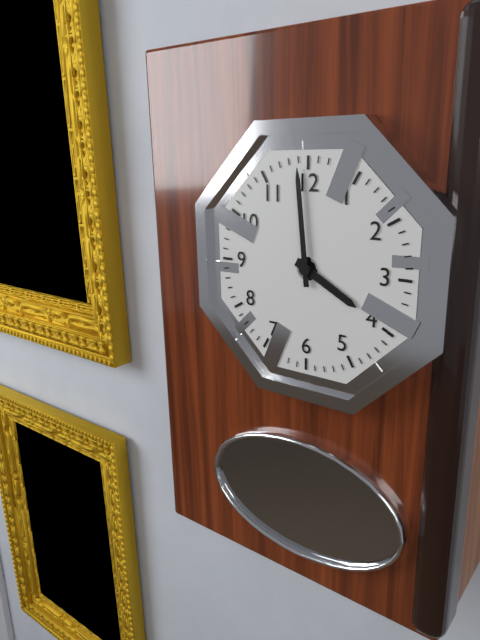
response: 3h59
